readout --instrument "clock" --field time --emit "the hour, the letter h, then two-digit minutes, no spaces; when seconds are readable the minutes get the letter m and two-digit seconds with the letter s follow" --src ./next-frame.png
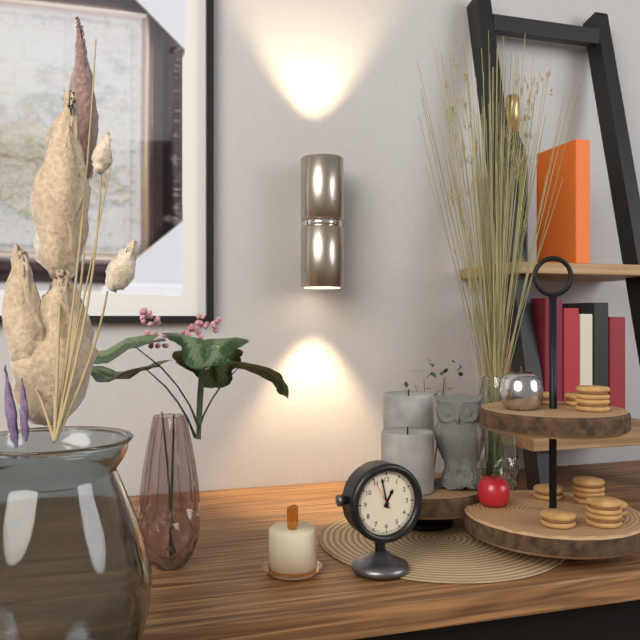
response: 12h58
